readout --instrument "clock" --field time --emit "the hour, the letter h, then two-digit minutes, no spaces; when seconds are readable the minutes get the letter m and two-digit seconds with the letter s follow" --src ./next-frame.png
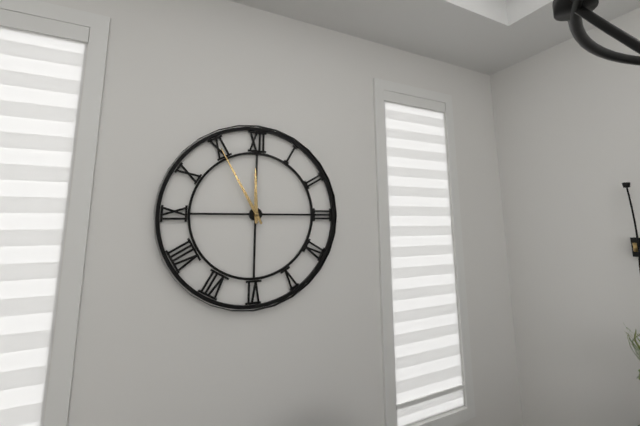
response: 11h55
